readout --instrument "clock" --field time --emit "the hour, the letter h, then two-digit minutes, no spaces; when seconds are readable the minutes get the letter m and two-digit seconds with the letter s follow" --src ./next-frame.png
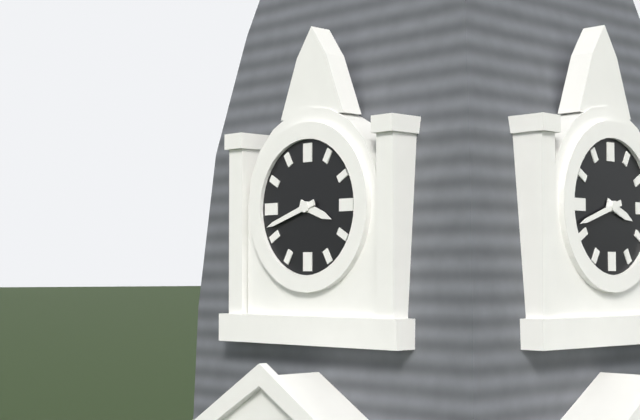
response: 3h42
